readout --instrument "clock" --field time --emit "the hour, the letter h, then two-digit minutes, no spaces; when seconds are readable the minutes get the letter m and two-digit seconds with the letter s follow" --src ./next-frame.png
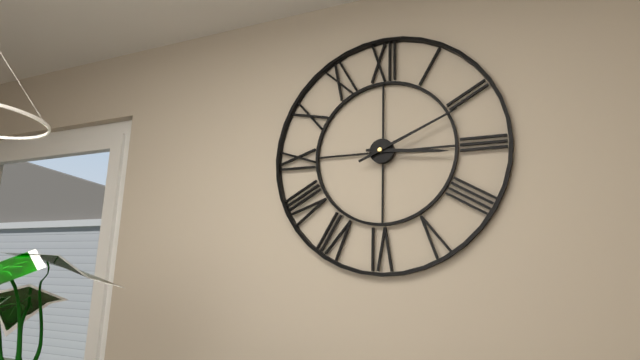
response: 3h11
